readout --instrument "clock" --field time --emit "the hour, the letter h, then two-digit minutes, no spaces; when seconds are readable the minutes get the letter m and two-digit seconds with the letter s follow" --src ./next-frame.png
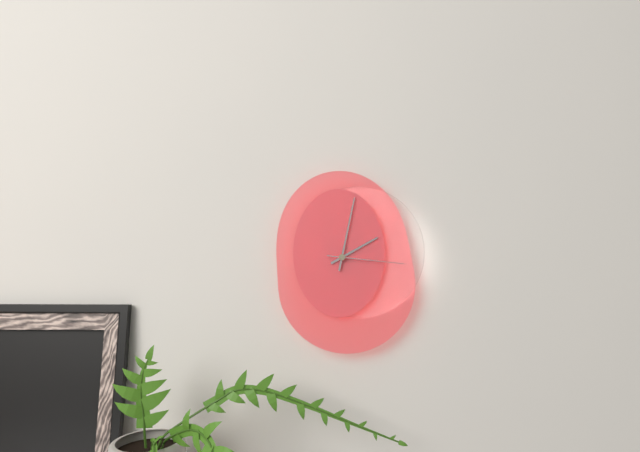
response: 2h02m16s
